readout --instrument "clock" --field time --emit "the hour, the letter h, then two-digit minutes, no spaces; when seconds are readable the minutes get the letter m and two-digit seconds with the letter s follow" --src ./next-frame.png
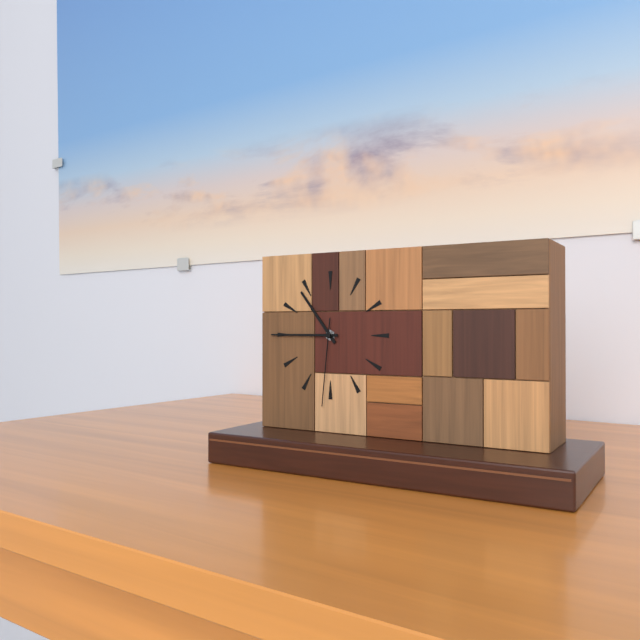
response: 10h45m31s
